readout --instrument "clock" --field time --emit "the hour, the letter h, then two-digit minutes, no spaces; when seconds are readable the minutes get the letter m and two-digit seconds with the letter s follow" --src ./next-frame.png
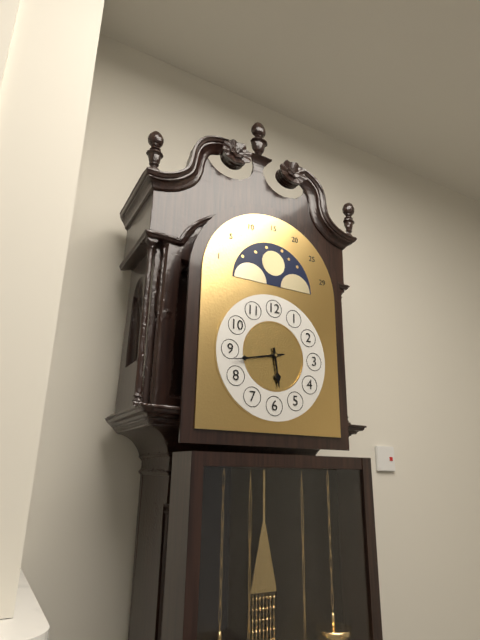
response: 5h43
